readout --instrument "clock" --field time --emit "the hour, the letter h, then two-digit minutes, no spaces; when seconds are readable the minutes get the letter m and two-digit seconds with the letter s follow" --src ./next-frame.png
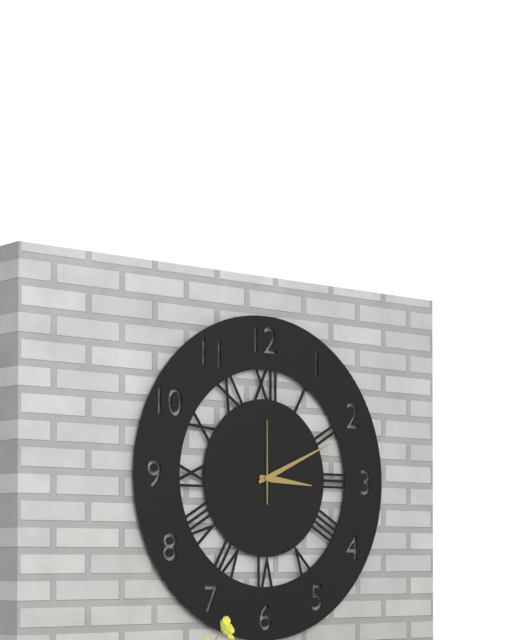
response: 3h11m00s
